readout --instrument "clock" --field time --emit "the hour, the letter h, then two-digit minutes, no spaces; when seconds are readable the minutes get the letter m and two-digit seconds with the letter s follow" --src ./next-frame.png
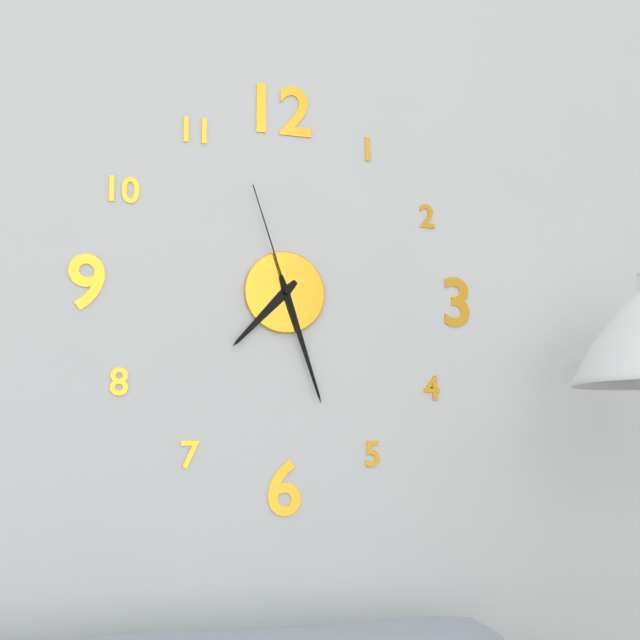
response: 7h27m57s
